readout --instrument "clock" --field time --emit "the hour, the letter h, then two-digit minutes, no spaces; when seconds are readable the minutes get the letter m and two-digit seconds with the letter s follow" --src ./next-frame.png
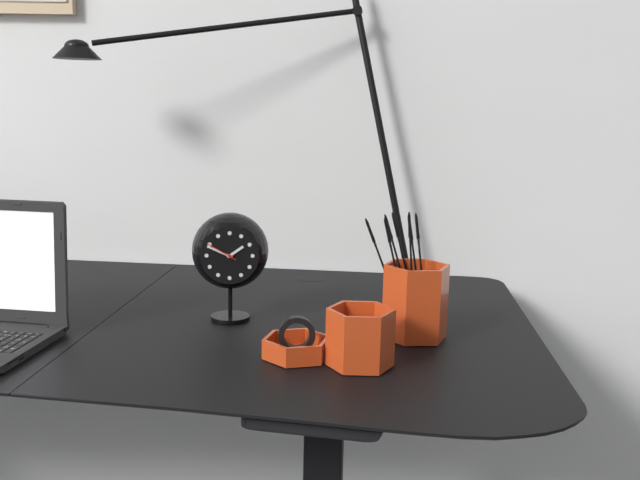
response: 1h49
